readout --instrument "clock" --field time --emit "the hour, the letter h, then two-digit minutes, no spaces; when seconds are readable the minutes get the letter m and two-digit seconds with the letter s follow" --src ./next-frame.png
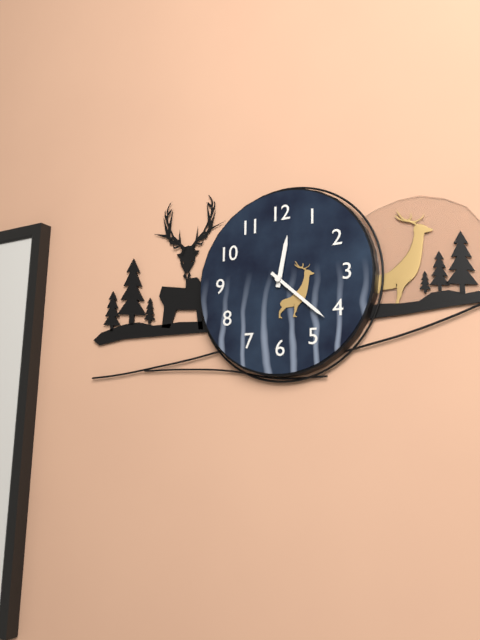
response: 12h22
